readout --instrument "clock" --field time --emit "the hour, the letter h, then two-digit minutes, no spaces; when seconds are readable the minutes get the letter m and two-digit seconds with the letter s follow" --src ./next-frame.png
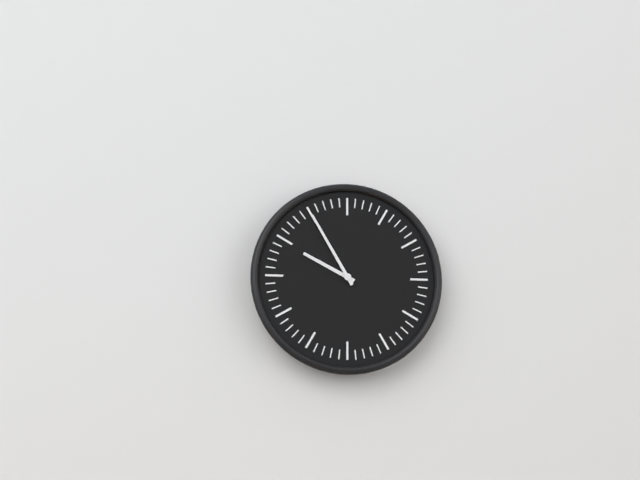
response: 9h55
